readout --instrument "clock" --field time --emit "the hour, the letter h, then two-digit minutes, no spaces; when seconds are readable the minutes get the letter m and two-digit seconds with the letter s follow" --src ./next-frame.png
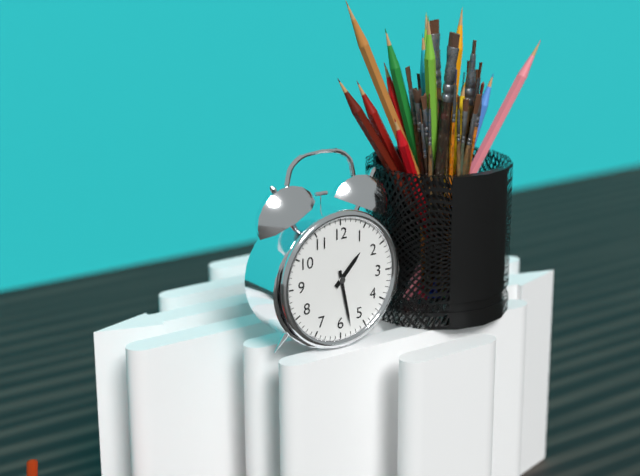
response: 1h28
